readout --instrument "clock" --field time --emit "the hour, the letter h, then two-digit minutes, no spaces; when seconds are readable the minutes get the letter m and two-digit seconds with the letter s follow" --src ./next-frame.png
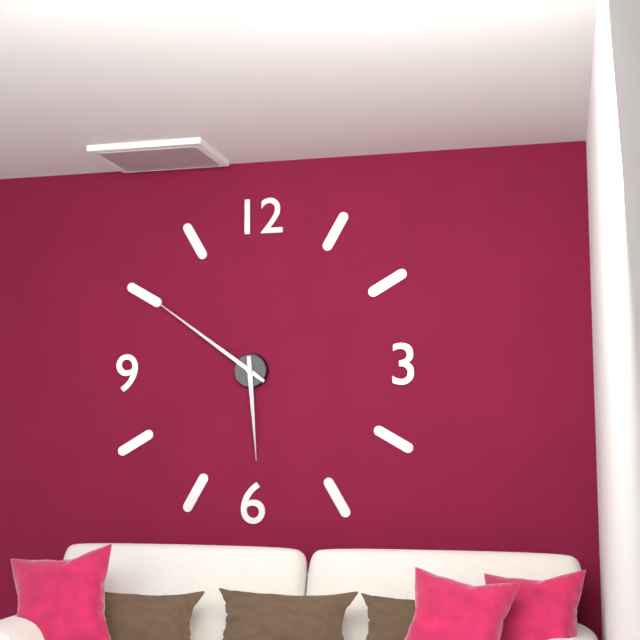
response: 5h51
